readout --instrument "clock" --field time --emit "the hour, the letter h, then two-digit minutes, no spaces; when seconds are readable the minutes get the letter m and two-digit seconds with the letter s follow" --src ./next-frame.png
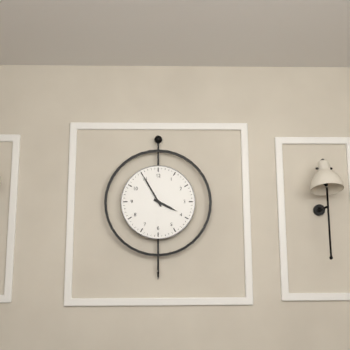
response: 3h55
